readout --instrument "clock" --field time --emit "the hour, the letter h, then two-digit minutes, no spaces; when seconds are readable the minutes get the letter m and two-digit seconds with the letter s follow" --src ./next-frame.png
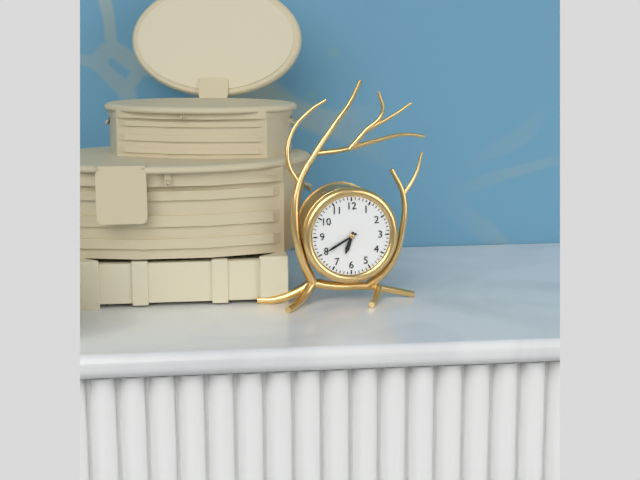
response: 6h40
